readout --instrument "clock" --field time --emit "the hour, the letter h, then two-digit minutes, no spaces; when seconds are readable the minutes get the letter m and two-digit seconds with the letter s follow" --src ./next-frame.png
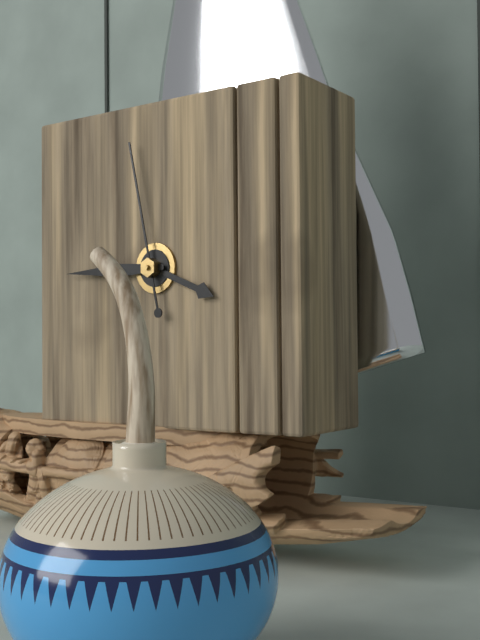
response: 3h45m58s
